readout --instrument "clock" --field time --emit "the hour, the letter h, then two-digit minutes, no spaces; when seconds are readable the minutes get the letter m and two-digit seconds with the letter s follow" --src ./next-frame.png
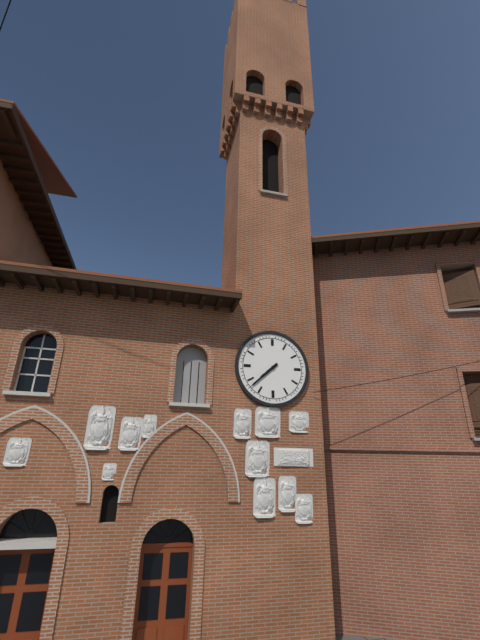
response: 7h38
